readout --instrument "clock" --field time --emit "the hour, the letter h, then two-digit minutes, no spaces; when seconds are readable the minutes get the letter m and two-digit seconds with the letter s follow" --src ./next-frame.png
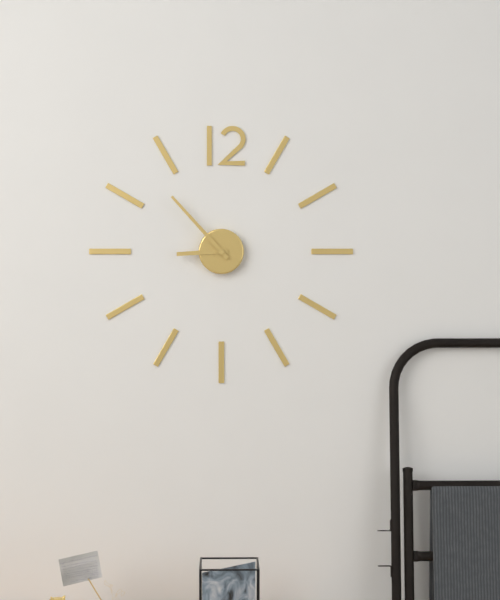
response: 8h53
